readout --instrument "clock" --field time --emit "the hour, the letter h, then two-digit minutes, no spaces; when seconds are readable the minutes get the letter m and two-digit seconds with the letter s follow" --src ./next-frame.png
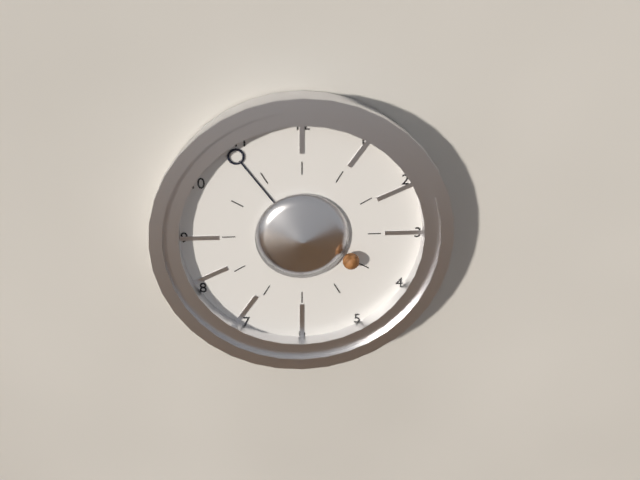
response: 3h54
